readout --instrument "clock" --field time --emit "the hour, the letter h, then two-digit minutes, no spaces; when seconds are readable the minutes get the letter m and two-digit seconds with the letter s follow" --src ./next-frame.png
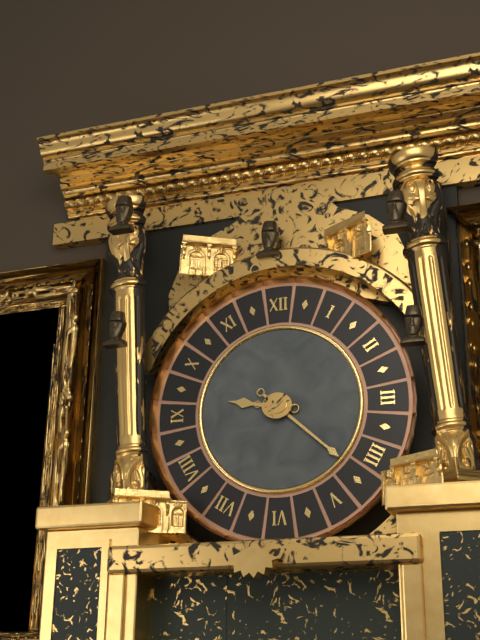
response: 9h22
